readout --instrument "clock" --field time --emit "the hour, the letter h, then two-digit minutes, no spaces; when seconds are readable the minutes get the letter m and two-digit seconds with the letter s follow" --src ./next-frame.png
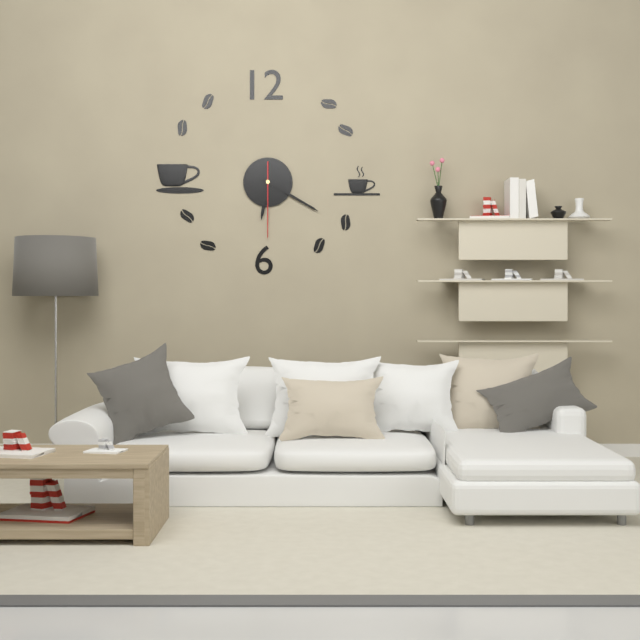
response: 6h20m30s
